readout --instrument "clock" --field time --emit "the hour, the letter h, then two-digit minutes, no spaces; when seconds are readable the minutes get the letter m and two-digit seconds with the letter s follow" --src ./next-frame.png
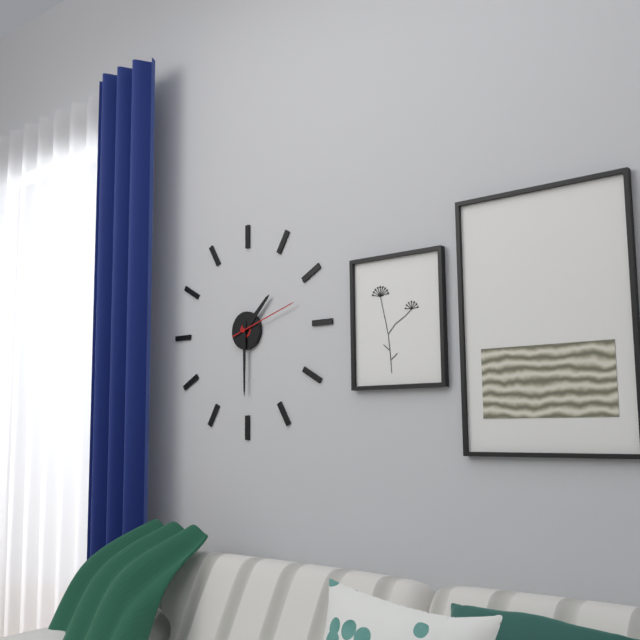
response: 1h30m12s
